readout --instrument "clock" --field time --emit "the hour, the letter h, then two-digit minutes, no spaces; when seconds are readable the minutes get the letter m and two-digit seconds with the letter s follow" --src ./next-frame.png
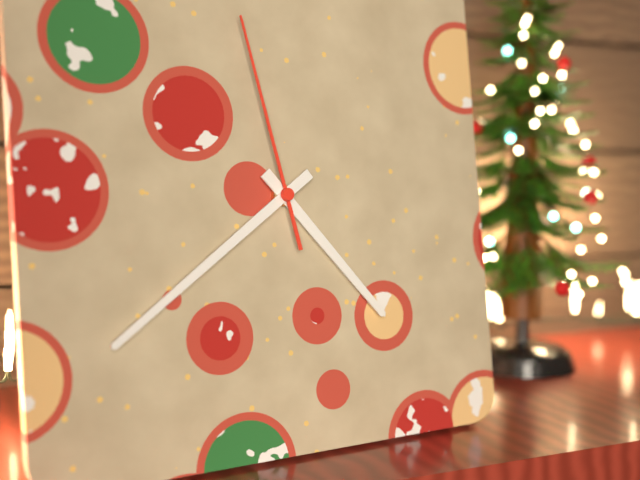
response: 4h39m58s
